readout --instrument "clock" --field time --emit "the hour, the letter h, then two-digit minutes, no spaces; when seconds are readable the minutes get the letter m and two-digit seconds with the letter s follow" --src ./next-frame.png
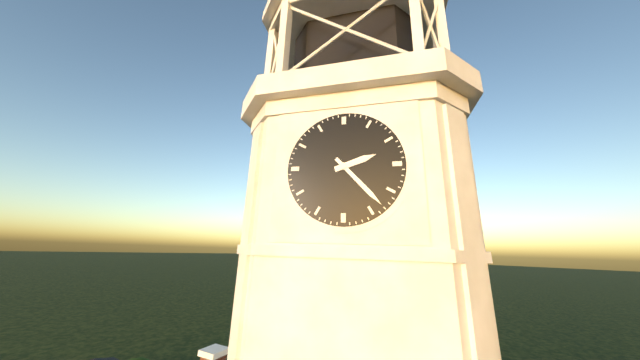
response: 2h23
